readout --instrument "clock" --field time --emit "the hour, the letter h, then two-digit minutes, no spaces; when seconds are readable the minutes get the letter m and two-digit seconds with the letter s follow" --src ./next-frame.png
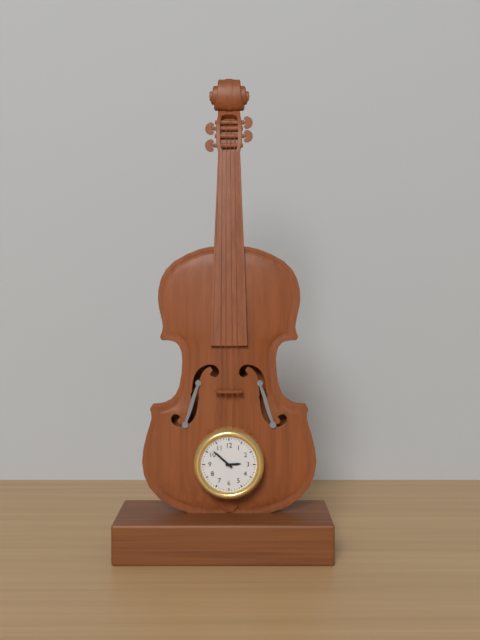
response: 2h52
